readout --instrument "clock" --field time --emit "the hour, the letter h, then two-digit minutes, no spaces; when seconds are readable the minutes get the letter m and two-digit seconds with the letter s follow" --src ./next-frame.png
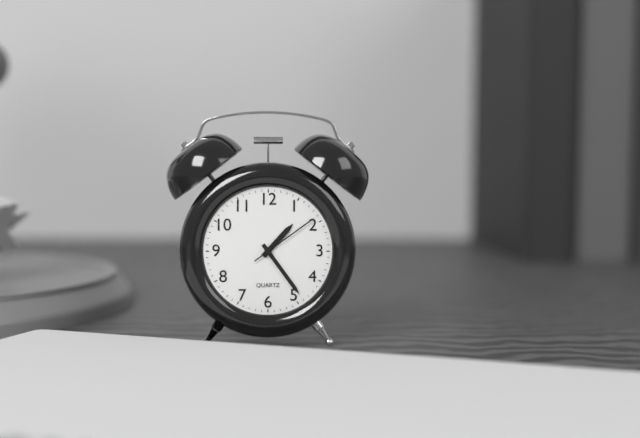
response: 1h24m09s
